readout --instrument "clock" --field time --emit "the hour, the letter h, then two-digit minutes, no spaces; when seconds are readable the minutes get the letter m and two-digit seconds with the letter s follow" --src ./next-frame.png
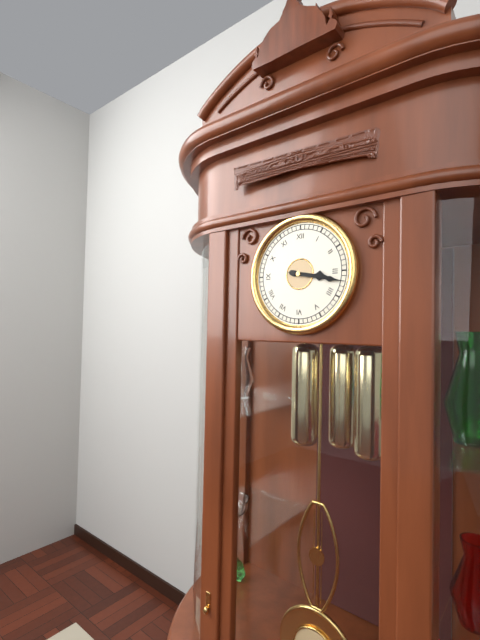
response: 3h17
